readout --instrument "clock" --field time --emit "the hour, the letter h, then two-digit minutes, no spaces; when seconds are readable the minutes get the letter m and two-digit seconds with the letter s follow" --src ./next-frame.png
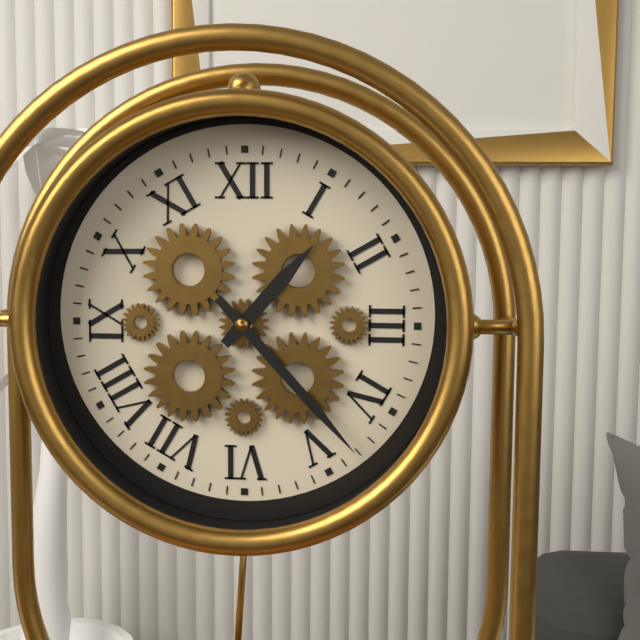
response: 1h23
